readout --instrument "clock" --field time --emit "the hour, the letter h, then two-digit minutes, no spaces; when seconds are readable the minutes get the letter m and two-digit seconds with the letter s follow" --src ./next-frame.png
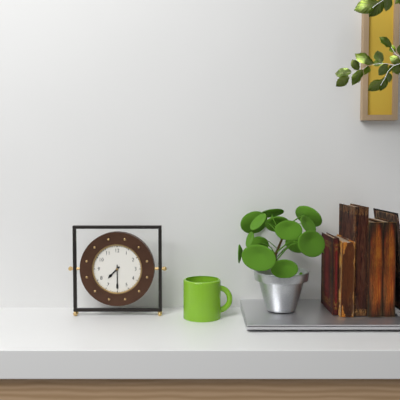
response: 7h30
